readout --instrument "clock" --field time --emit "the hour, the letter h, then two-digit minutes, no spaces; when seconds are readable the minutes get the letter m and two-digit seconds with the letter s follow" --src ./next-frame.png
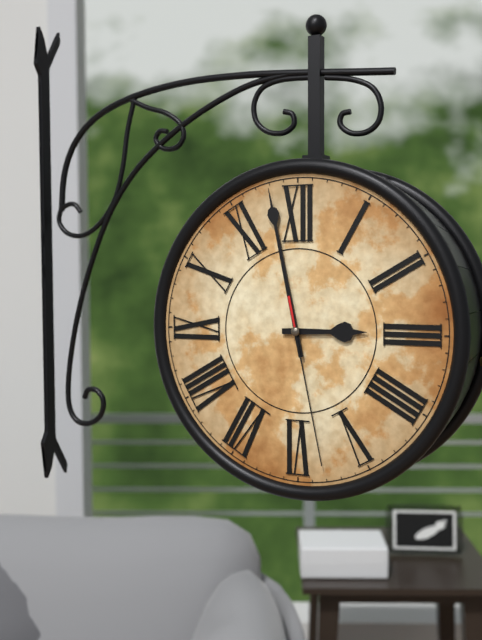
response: 2h58m28s
